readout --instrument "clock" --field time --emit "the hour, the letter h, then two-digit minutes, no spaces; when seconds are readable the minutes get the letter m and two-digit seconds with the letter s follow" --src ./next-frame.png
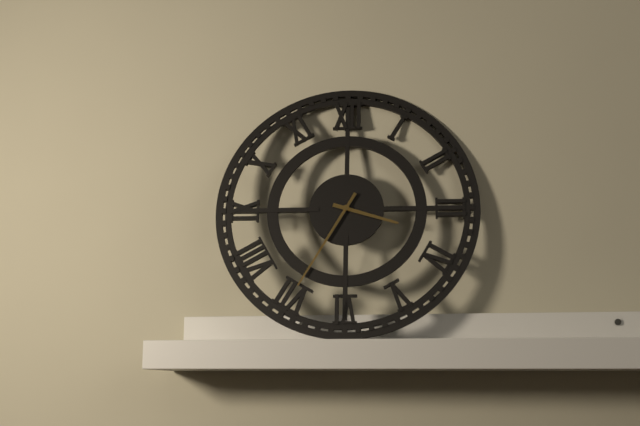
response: 3h35
